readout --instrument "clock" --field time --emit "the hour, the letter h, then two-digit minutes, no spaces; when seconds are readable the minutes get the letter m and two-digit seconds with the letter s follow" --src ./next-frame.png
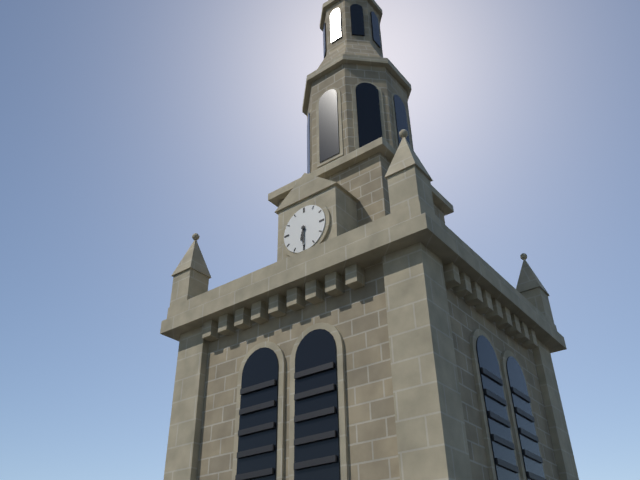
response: 6h30
